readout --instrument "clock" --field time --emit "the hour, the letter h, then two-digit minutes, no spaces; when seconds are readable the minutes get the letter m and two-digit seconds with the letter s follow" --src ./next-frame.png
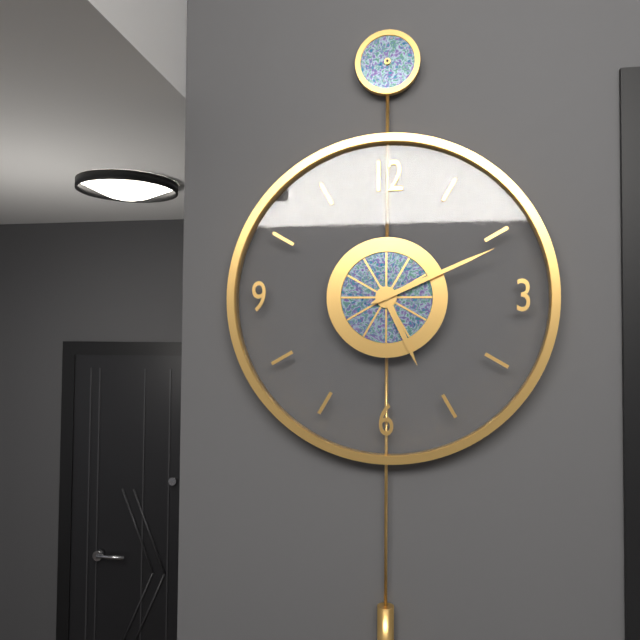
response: 5h11
